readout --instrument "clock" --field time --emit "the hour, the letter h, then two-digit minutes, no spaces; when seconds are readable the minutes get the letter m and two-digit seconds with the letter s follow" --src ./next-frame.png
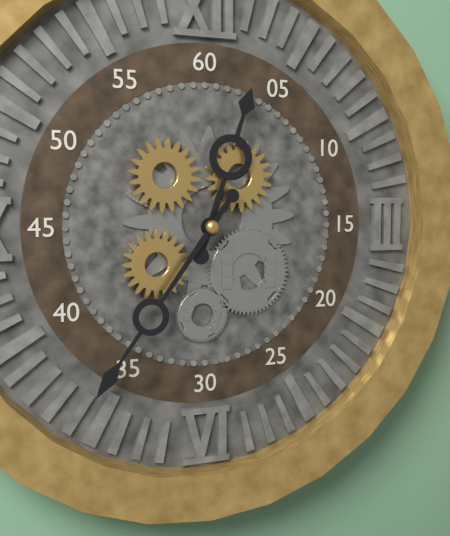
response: 12h36
